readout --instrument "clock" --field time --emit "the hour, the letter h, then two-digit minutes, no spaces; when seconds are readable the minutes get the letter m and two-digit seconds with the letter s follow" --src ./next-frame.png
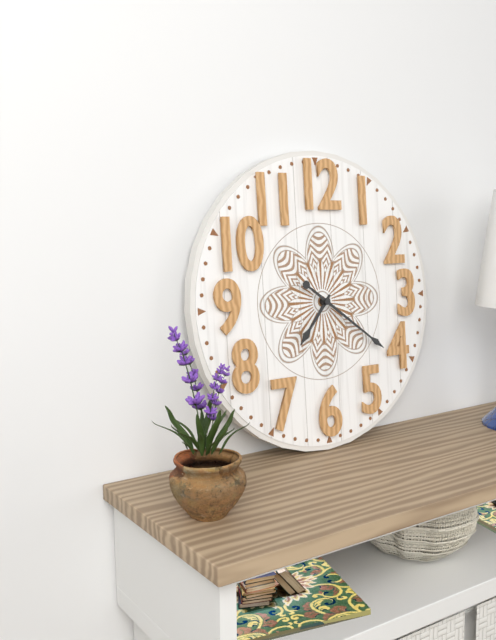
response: 7h21
